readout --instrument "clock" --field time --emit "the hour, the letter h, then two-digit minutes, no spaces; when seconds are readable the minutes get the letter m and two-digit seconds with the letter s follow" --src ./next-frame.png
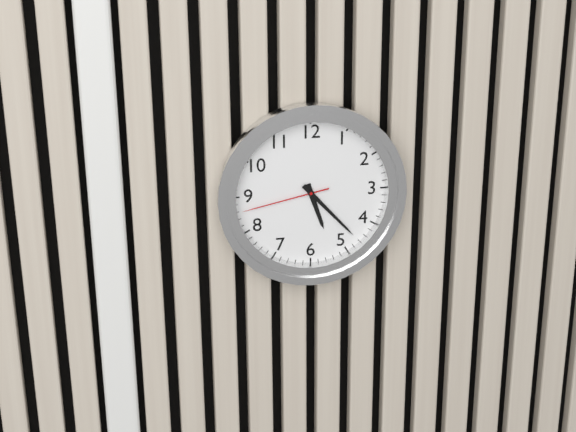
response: 5h23m43s
